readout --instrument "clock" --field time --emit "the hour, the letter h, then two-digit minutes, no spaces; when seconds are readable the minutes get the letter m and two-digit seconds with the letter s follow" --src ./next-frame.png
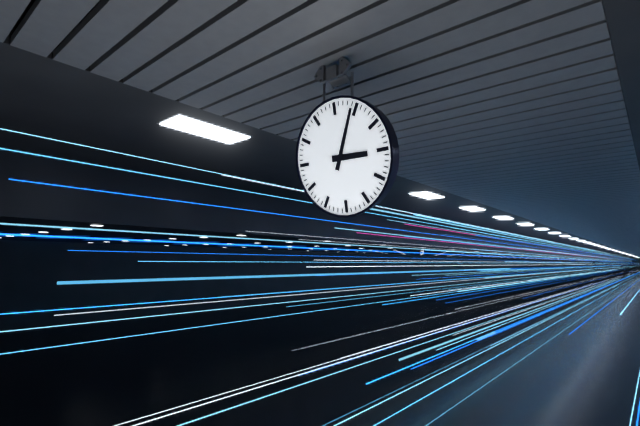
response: 3h04
